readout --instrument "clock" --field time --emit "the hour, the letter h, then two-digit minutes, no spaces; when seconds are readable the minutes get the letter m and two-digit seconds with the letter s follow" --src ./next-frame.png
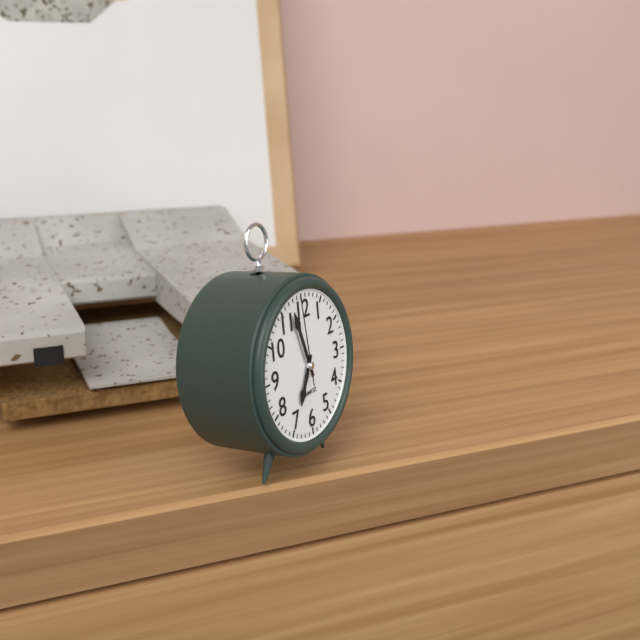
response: 6h57m59s
